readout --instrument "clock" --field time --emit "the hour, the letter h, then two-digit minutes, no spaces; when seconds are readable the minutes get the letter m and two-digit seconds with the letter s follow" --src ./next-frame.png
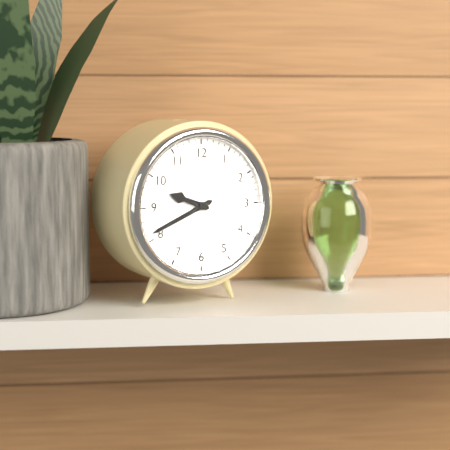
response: 9h41
